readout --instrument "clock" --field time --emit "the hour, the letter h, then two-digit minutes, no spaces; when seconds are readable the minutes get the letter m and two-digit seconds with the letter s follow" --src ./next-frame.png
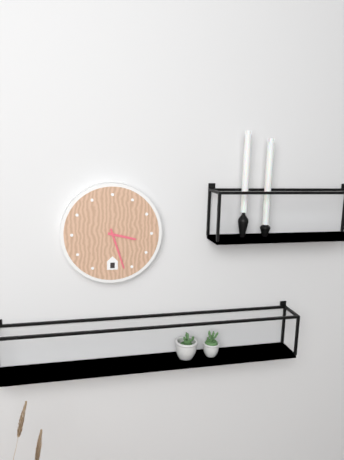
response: 3h27
